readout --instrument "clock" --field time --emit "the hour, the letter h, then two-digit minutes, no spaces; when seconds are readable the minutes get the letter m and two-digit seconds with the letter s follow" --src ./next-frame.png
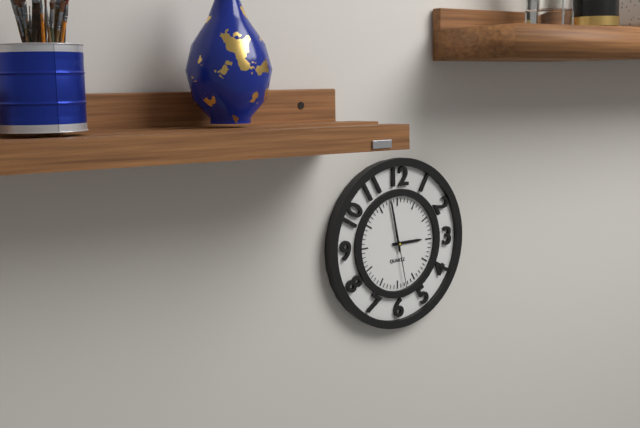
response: 2h58m28s
